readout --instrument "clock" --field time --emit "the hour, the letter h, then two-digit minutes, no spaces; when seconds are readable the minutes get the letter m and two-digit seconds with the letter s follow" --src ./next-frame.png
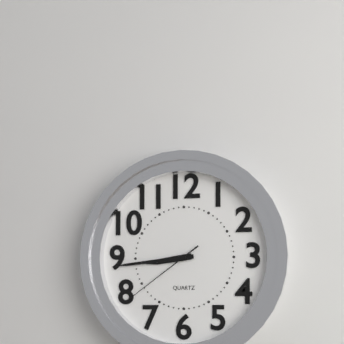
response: 8h44m39s
